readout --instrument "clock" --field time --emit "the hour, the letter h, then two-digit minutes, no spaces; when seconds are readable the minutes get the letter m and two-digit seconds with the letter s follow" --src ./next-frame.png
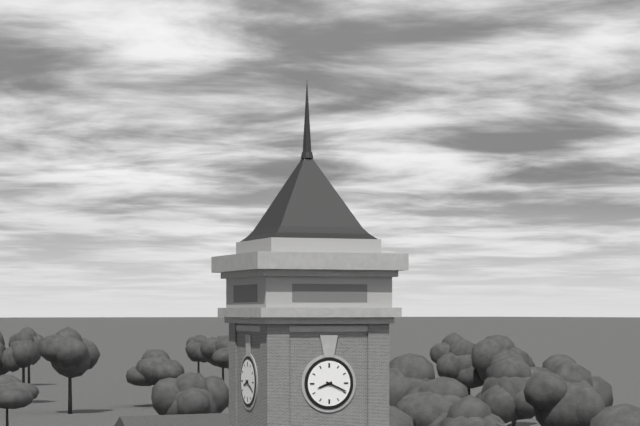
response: 8h19
